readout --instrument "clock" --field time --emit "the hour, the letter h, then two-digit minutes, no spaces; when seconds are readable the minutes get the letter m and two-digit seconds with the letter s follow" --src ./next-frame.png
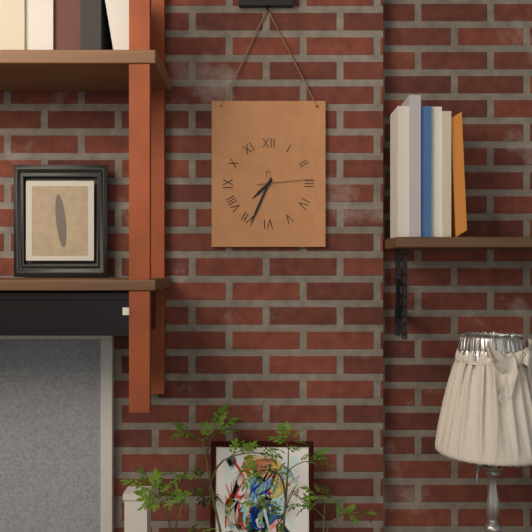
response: 7h34m14s
